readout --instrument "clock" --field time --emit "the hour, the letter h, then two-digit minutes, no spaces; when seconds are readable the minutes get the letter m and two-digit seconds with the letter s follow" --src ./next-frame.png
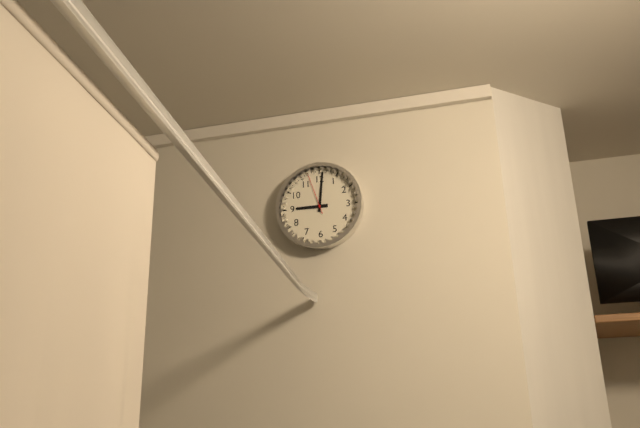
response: 9h01
